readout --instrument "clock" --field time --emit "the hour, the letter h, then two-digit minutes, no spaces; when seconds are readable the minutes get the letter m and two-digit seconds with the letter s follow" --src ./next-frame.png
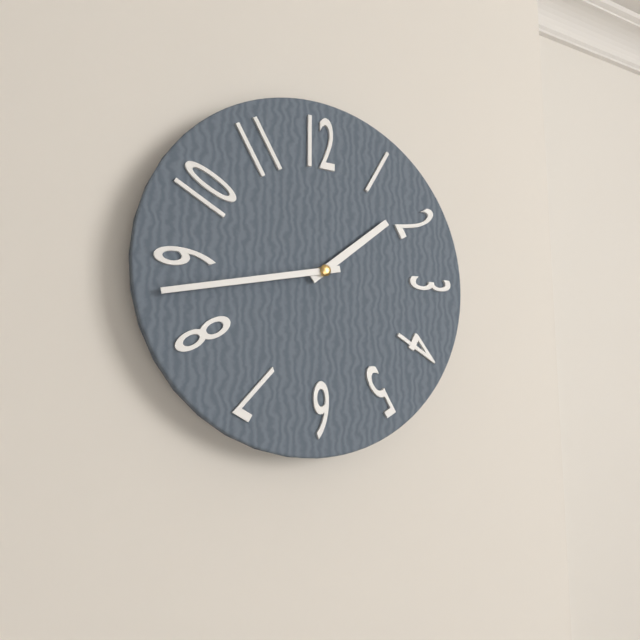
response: 1h43
